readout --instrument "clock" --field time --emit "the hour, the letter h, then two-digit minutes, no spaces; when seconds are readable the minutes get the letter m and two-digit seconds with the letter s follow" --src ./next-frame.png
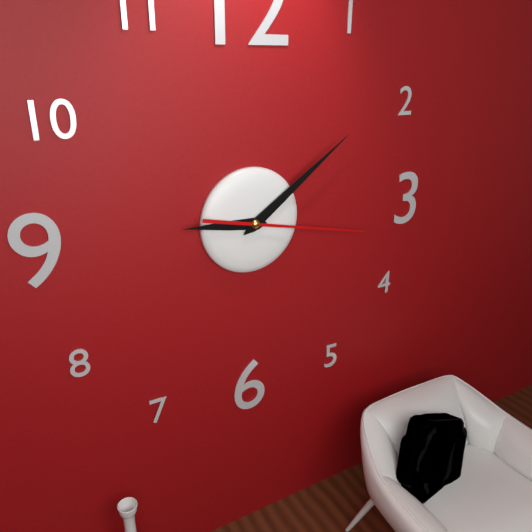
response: 9h09m17s
